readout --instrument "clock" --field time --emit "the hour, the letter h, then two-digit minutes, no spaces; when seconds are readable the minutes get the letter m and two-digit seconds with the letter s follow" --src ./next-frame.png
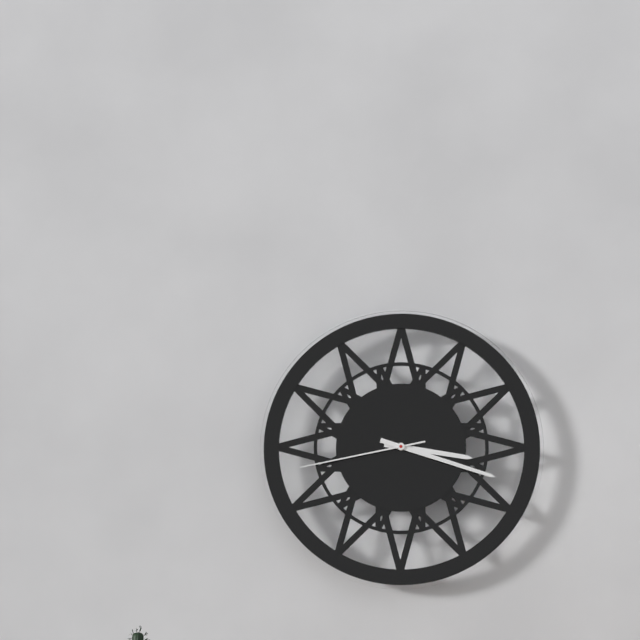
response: 3h18m43s
